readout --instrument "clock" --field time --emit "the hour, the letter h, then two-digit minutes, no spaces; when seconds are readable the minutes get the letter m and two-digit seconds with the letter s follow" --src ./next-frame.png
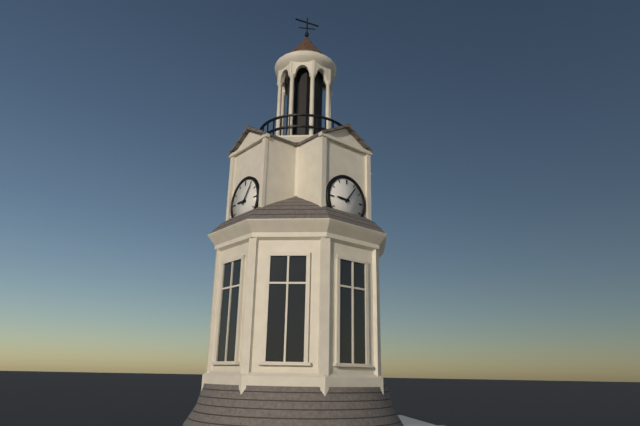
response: 9h06
